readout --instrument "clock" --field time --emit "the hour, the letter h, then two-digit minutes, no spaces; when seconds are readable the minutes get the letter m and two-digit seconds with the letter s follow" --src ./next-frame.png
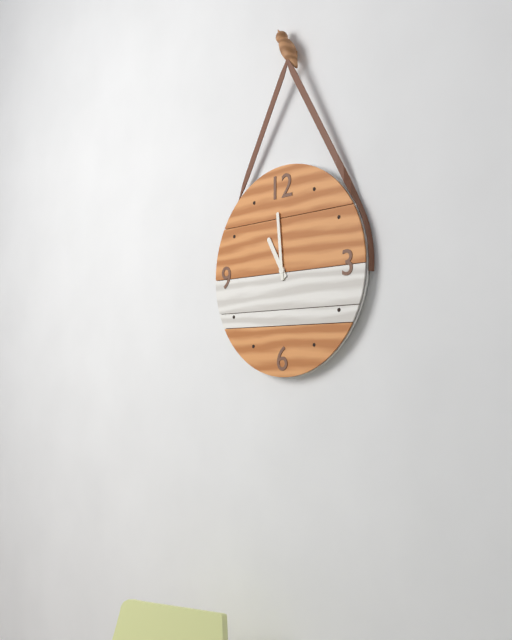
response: 10h59
